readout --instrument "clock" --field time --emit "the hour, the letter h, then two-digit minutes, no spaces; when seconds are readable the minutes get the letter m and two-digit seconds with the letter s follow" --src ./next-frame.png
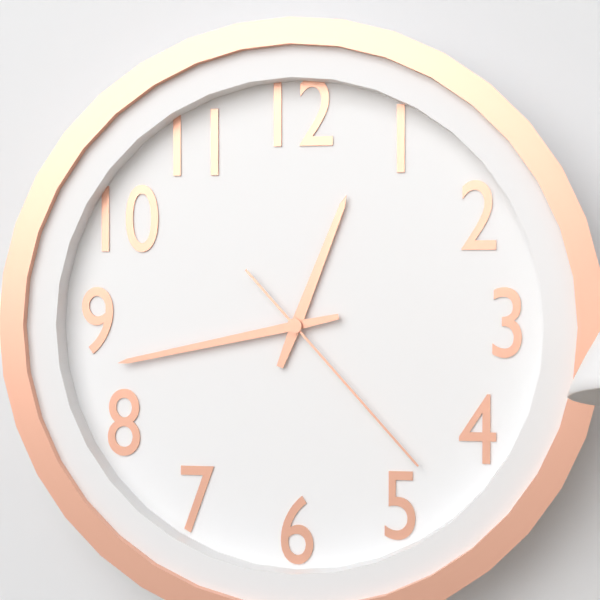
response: 12h43m23s
